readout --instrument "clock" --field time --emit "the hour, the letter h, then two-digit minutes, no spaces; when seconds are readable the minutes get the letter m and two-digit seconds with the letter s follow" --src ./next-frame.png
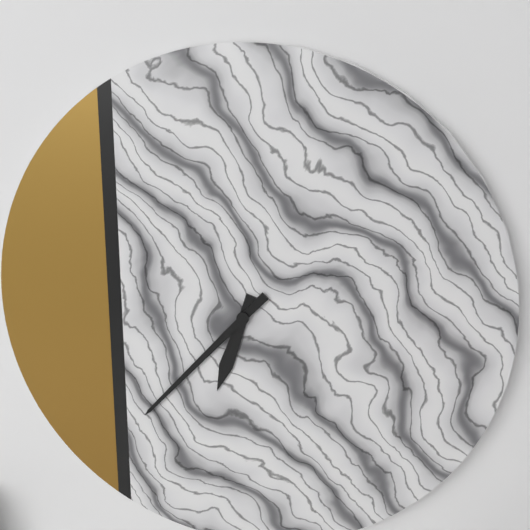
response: 6h37
